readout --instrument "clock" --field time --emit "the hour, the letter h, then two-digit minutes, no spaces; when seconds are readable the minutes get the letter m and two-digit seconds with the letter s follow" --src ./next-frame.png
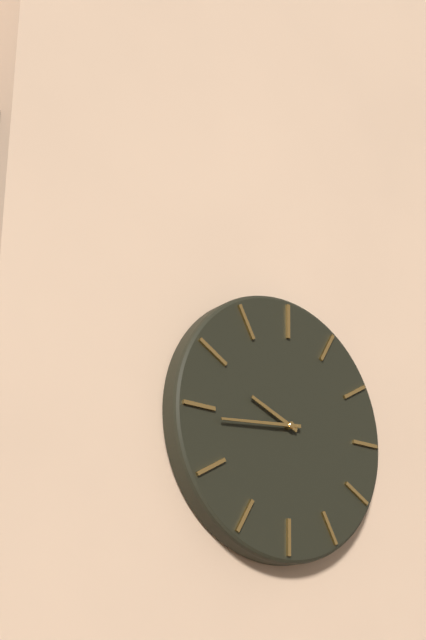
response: 9h44
